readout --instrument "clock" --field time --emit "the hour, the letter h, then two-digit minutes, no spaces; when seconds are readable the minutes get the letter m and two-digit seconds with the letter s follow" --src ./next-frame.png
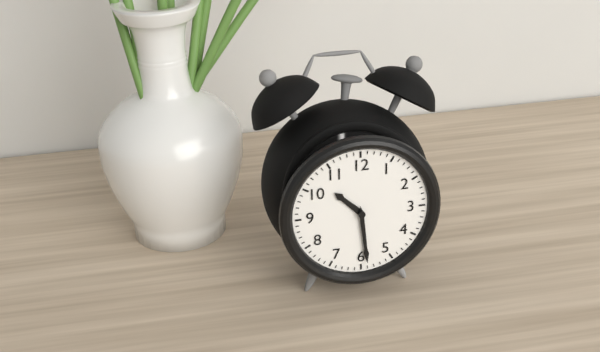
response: 10h29
